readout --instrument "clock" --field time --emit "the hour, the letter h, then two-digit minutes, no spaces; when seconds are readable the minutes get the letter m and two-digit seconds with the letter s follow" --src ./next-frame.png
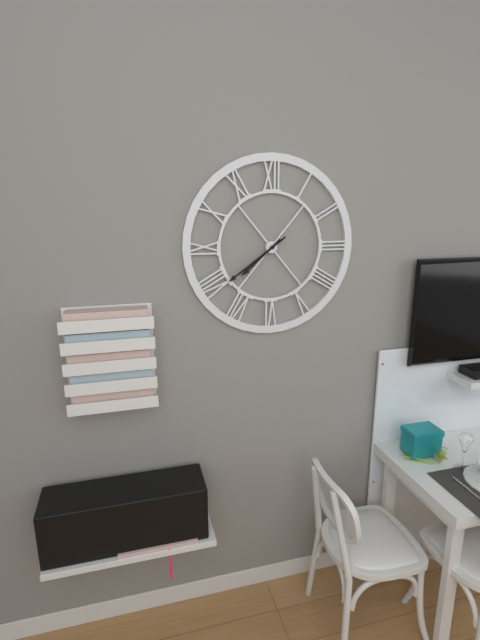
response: 7h39
